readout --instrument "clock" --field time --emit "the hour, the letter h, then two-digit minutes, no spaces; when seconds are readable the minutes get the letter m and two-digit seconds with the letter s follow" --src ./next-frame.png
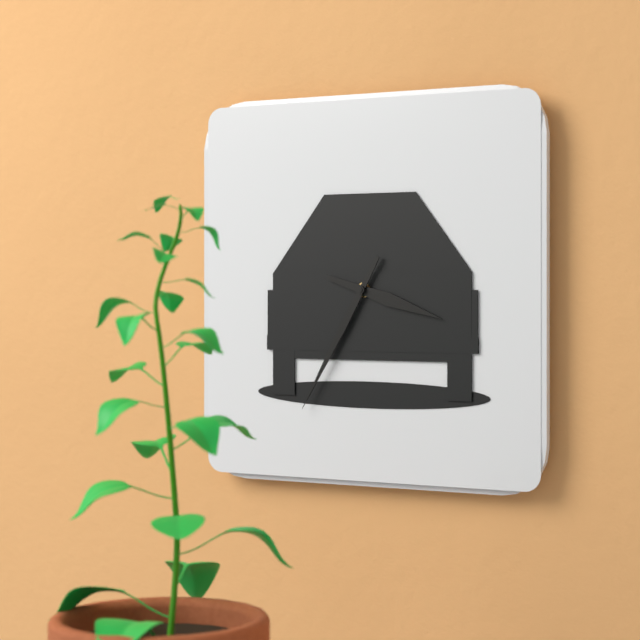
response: 3h35
